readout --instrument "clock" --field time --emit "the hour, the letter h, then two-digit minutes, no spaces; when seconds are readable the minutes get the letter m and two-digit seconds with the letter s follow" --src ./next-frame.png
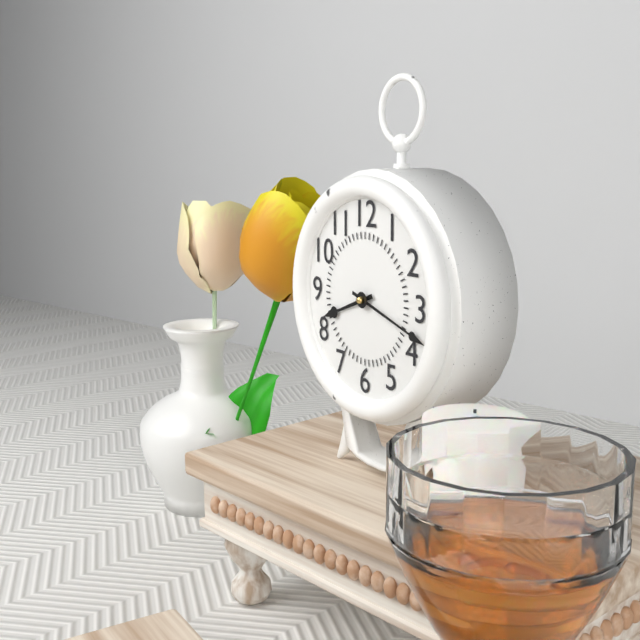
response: 8h18
